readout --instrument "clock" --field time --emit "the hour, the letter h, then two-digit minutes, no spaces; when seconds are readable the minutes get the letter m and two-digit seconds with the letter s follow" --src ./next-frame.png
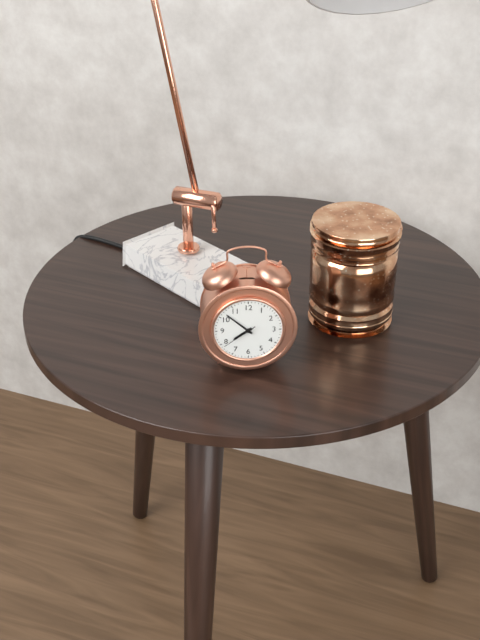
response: 7h52
